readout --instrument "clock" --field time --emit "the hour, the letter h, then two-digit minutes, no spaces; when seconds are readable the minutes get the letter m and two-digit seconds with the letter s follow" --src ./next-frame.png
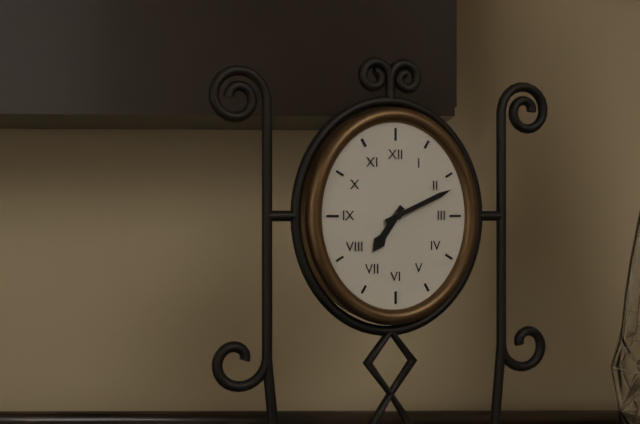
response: 7h11
